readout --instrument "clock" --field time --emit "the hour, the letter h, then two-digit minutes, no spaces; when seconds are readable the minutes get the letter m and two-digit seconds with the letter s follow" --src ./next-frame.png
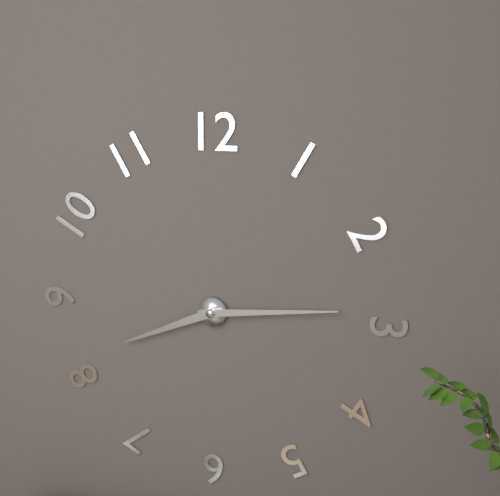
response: 8h14
